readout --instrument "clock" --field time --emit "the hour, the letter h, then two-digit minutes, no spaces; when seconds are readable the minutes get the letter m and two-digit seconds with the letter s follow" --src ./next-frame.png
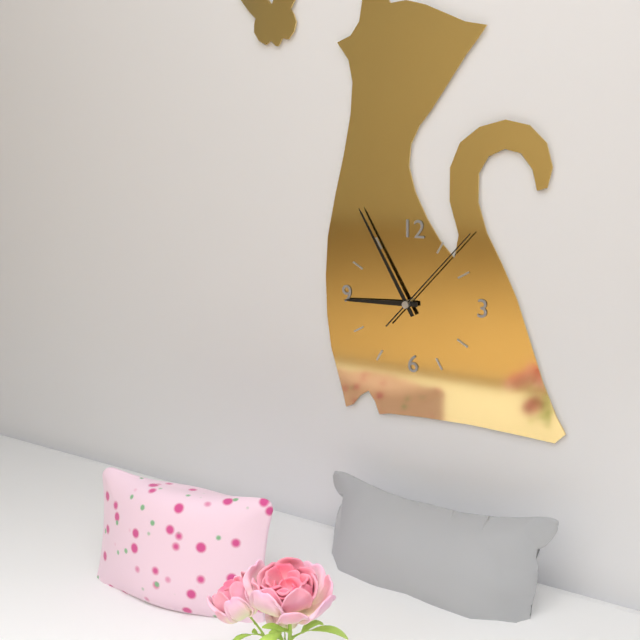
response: 8h55m07s
